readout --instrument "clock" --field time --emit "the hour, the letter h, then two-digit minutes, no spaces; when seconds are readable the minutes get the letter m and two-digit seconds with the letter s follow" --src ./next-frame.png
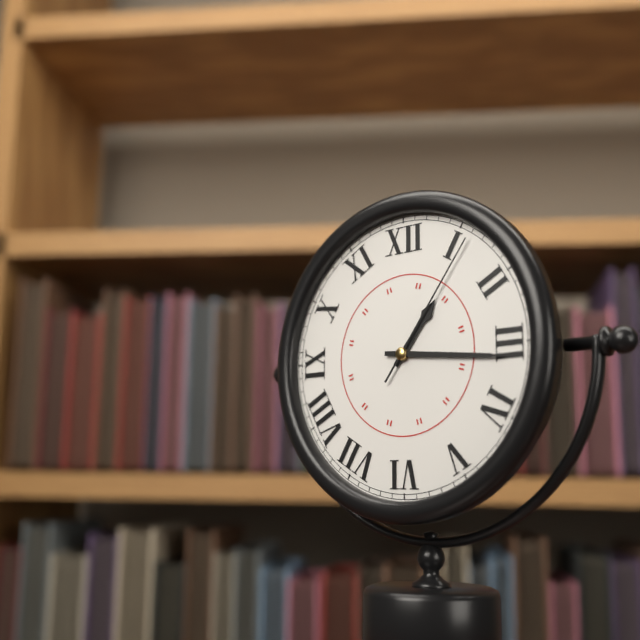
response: 1h16m06s
